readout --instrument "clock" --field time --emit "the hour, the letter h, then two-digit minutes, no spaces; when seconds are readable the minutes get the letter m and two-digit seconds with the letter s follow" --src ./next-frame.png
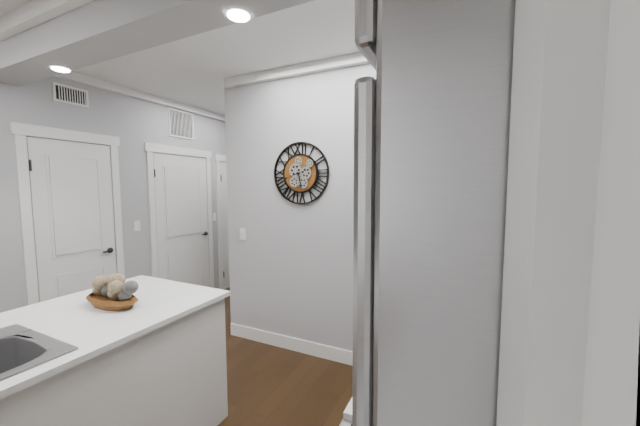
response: 5h42
